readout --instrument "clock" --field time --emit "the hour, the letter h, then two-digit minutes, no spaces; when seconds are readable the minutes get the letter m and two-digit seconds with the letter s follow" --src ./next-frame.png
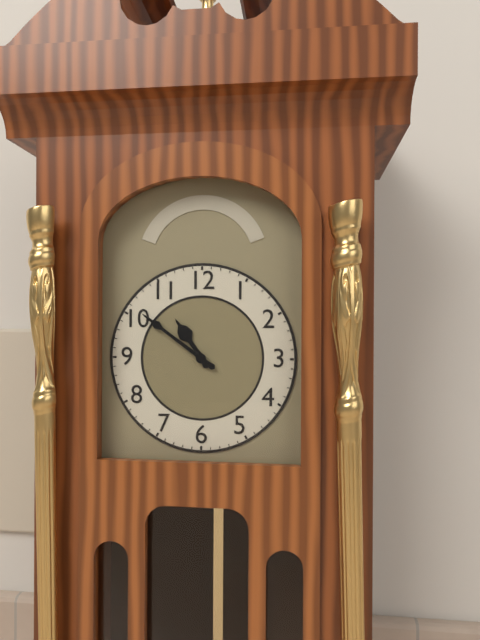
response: 10h51
